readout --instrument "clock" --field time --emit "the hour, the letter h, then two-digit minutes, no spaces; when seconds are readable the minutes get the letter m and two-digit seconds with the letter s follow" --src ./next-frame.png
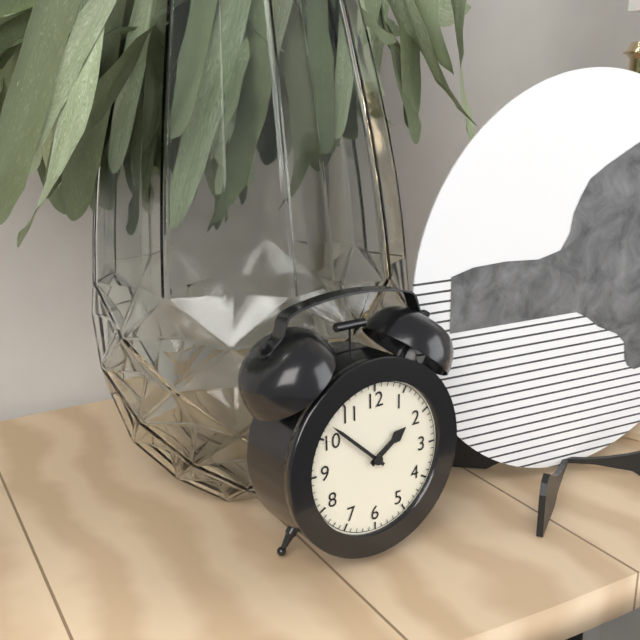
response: 1h52
